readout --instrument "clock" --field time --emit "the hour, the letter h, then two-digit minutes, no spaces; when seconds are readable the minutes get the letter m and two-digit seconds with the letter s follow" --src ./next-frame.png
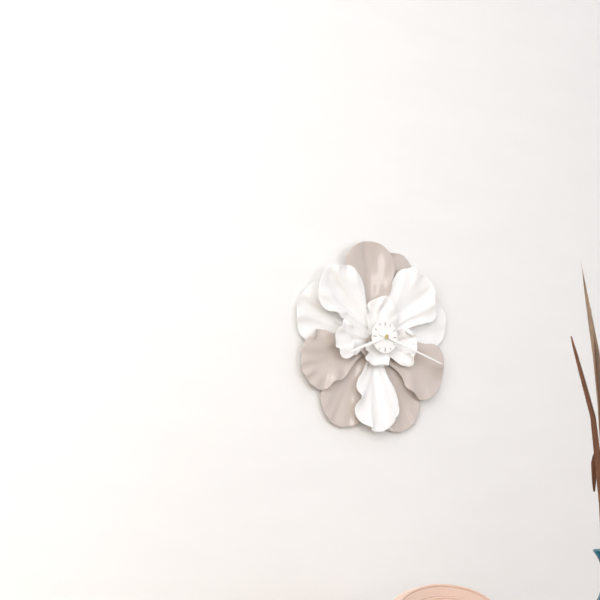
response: 8h18
